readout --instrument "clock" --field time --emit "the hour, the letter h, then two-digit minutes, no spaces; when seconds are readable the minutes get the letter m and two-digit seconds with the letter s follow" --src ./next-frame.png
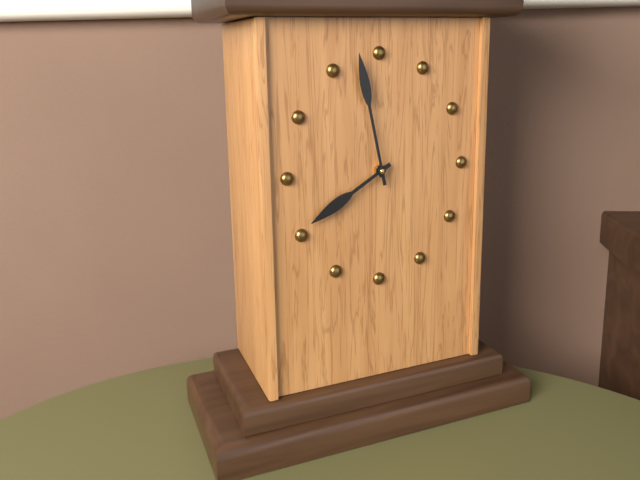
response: 7h58
